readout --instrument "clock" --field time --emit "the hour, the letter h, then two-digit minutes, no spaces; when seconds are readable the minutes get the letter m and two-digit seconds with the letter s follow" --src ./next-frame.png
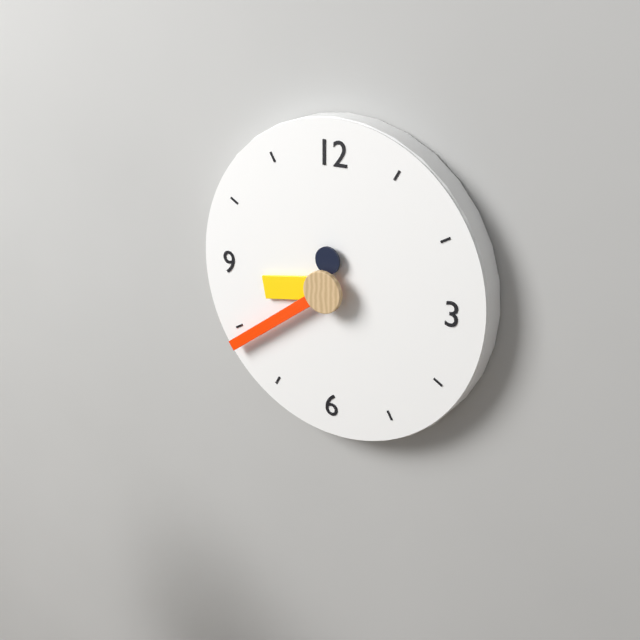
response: 8h39
